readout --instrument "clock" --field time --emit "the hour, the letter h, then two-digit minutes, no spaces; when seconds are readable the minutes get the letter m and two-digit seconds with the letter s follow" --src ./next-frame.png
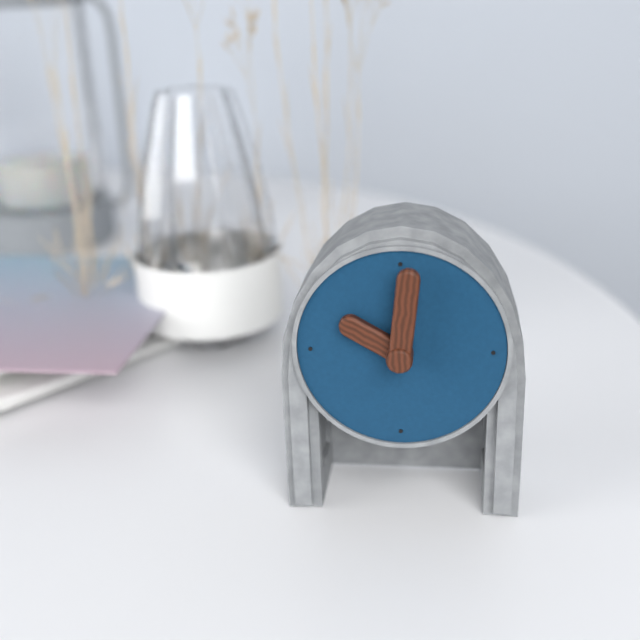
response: 10h01
